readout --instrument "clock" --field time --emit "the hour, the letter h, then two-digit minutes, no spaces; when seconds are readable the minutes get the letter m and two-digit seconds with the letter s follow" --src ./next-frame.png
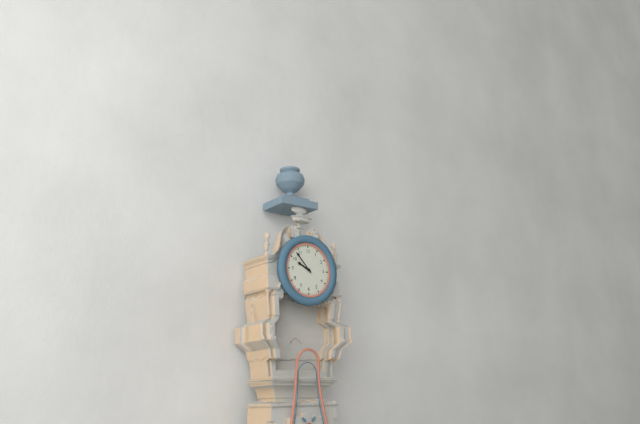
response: 9h53
